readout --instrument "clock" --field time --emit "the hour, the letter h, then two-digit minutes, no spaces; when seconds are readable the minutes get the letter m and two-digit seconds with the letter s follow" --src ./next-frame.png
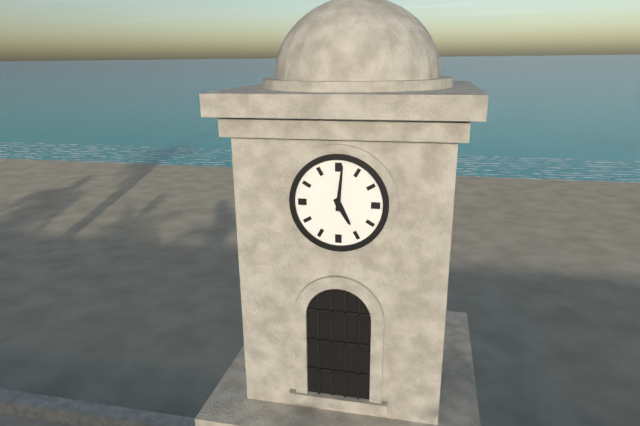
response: 5h01
